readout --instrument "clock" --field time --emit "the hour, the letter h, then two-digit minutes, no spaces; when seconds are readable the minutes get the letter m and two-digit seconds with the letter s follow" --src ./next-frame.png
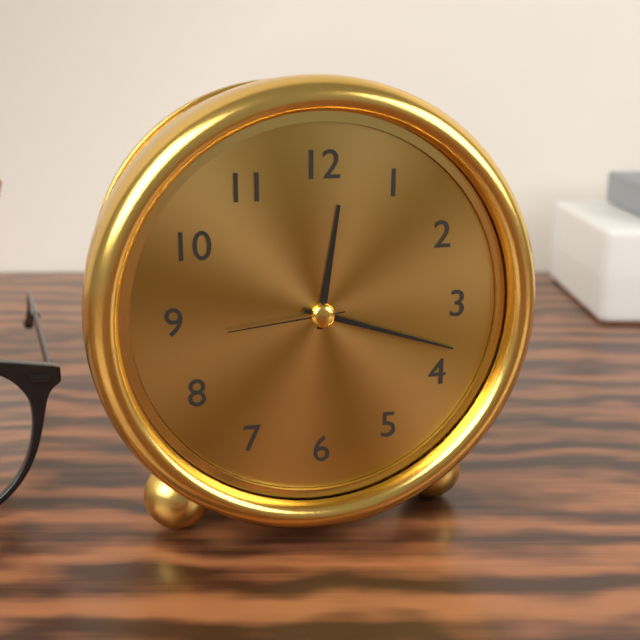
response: 12h18m44s
